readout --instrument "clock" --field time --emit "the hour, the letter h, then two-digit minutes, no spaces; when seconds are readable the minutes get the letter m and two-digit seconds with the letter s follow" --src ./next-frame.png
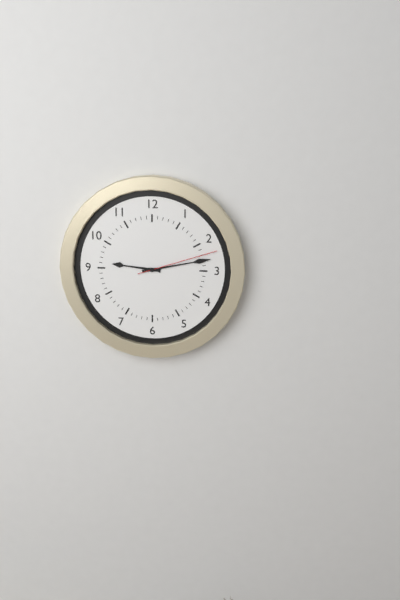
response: 9h13m12s
